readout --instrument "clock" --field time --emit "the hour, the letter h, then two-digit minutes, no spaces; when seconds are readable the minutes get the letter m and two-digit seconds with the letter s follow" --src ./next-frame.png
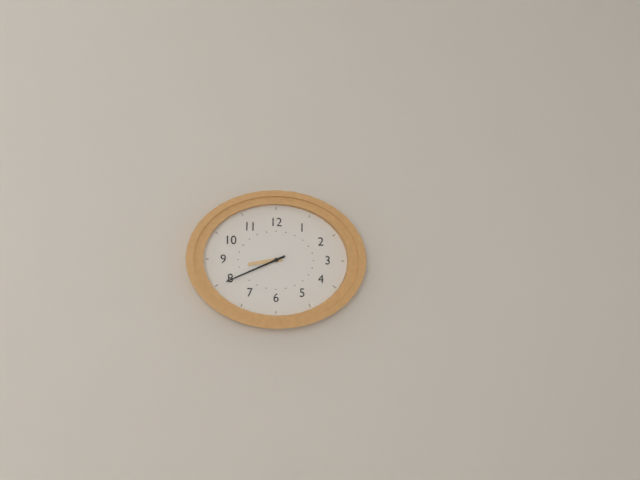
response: 8h41
